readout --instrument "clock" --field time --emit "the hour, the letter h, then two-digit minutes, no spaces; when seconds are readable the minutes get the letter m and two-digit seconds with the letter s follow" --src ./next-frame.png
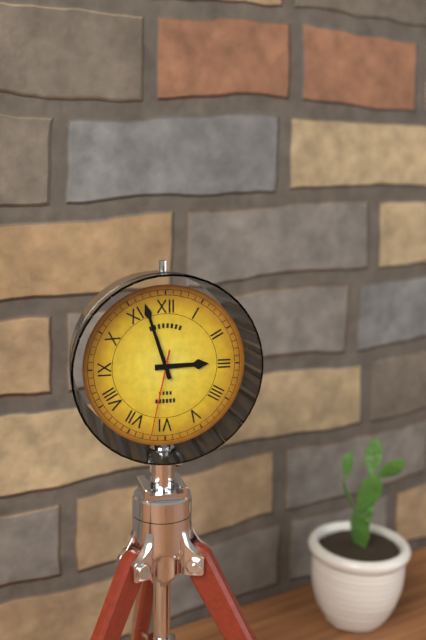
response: 2h57m32s
